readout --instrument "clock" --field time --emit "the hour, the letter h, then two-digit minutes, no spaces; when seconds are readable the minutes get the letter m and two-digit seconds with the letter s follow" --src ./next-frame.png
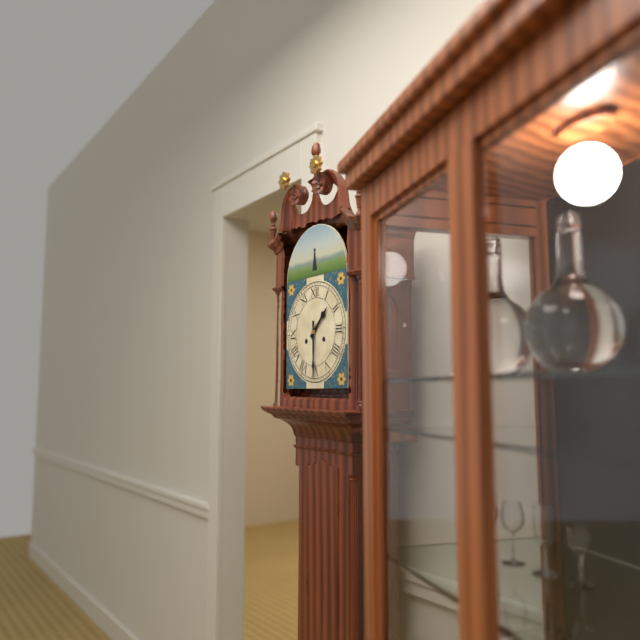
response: 1h30
